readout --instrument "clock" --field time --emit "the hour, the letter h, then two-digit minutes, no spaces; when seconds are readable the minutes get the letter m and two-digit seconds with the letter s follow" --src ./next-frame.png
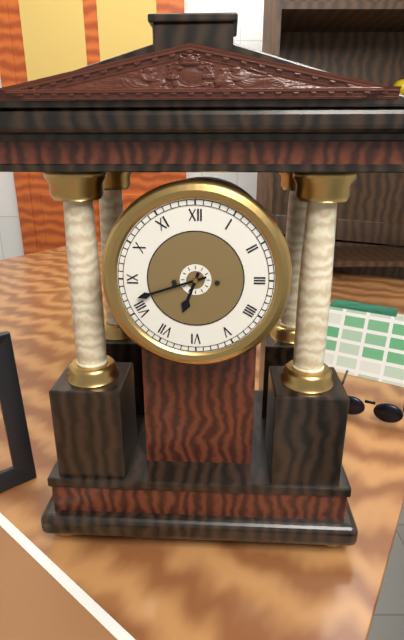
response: 6h42
